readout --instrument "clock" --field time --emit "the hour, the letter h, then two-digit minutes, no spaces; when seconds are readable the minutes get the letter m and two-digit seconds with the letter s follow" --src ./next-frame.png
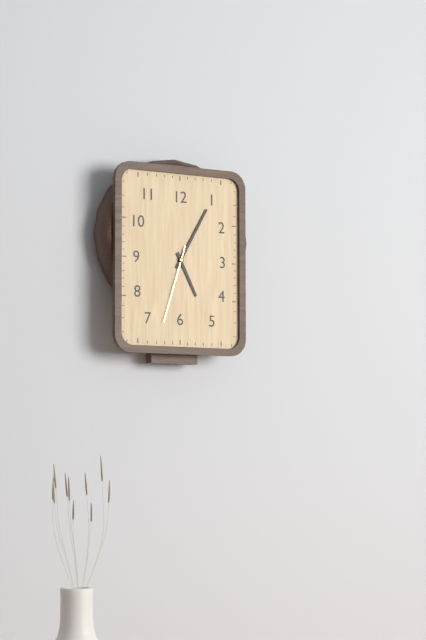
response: 5h05m33s
